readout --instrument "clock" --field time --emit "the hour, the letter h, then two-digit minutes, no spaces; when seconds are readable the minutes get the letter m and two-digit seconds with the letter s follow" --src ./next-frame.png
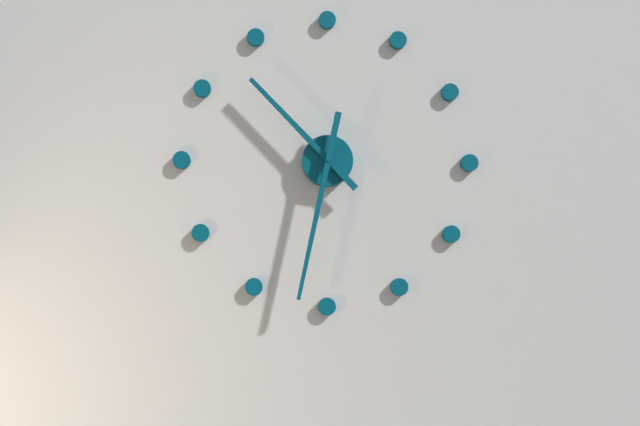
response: 10h32
